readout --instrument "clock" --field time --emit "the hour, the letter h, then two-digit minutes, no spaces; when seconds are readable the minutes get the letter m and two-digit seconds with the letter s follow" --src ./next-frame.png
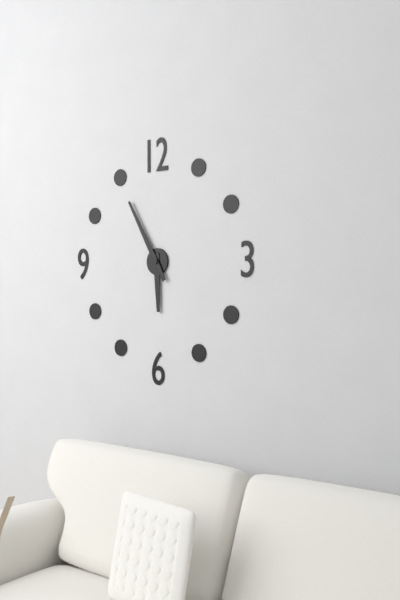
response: 5h55
